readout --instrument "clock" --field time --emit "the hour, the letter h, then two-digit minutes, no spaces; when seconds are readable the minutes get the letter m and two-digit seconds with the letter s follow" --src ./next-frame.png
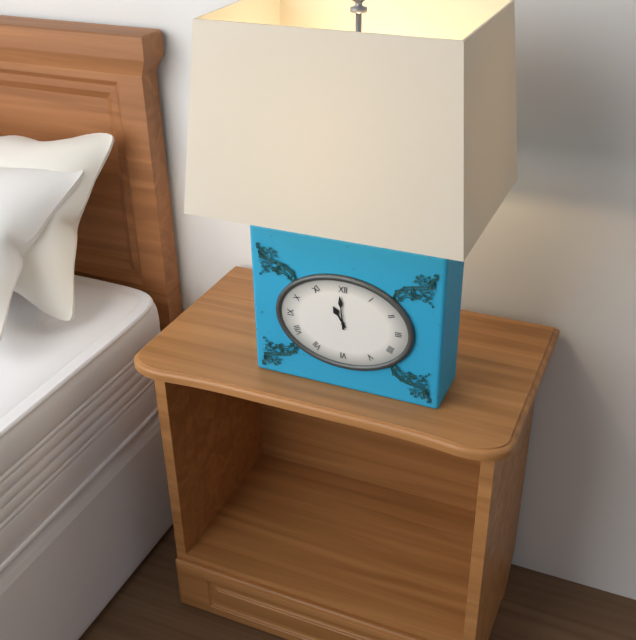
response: 10h59
